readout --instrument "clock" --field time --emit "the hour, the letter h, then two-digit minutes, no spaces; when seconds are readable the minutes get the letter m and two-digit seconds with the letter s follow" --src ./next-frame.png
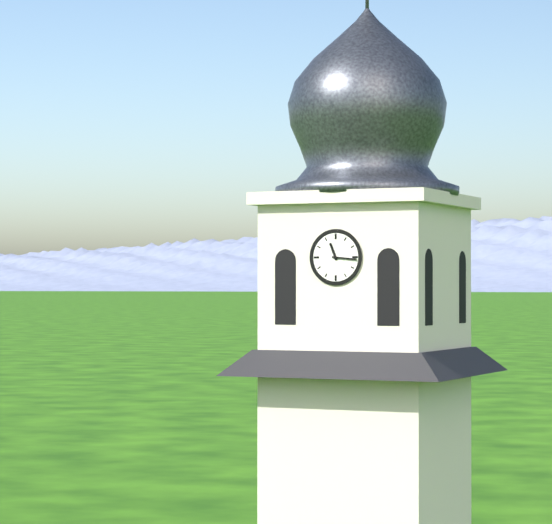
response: 11h16
